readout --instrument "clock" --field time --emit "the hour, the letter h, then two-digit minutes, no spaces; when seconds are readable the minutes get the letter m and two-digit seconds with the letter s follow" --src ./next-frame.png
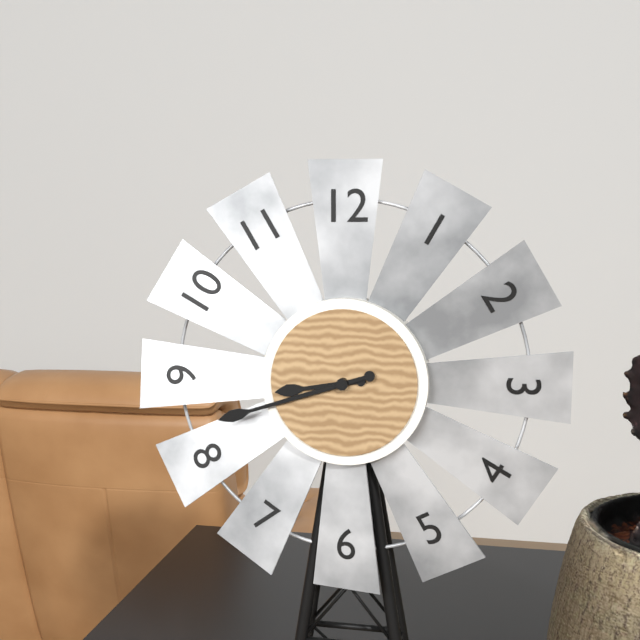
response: 8h42
